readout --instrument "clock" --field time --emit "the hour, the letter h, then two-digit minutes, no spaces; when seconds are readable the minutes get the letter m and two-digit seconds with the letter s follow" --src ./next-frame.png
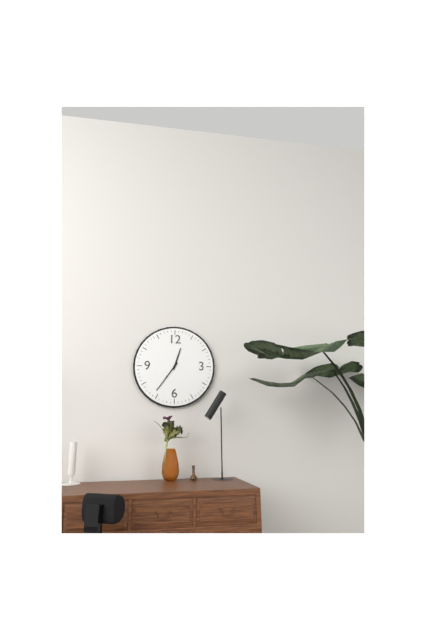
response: 12h36
